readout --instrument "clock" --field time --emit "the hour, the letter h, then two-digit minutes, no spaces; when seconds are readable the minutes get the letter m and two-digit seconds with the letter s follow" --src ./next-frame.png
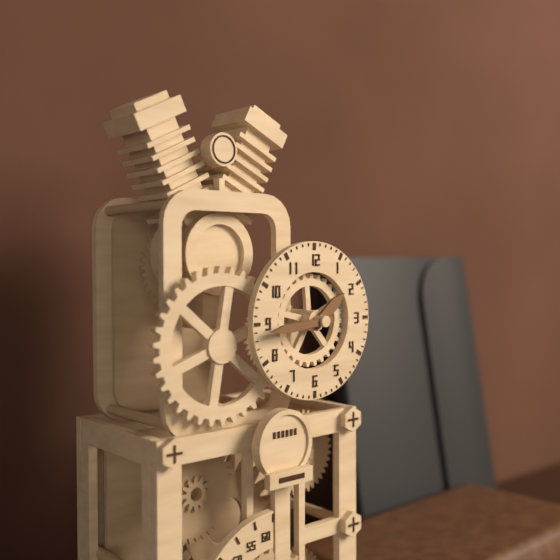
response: 1h44
